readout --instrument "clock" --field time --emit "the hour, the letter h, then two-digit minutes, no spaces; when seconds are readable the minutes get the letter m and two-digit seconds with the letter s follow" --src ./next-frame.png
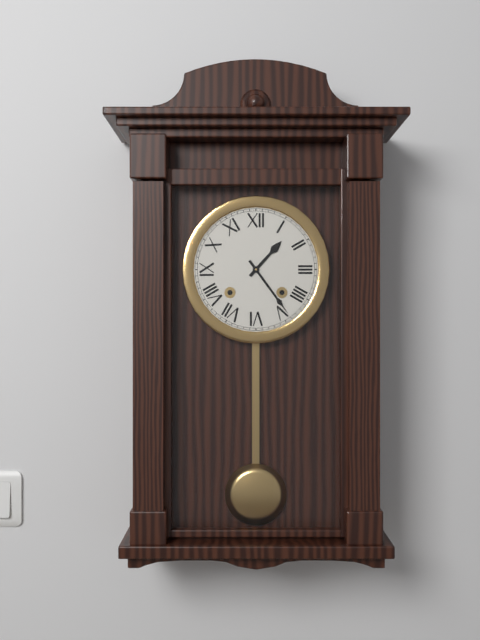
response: 1h24
